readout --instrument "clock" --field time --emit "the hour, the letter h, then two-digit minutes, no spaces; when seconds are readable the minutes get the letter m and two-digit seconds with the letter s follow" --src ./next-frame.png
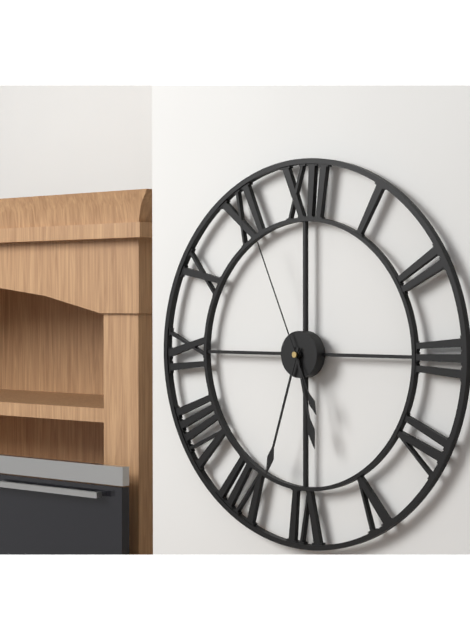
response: 5h33m56s
